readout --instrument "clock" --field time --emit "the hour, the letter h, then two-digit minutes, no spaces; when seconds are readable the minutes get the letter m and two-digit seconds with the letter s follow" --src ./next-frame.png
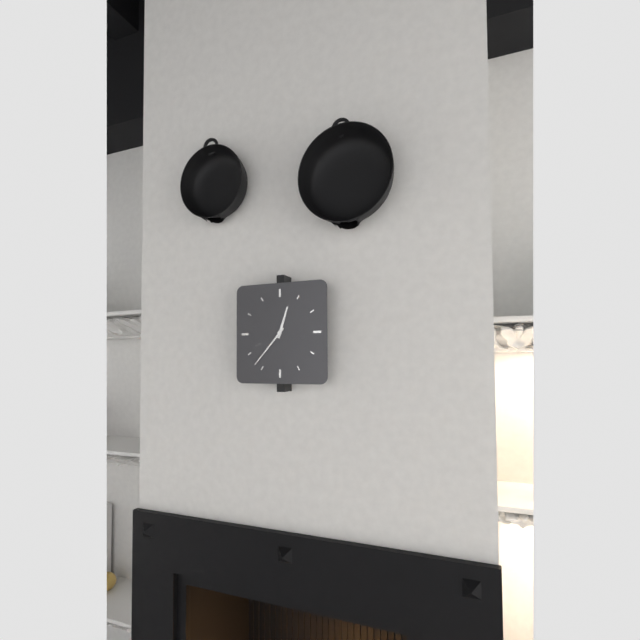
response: 12h37
